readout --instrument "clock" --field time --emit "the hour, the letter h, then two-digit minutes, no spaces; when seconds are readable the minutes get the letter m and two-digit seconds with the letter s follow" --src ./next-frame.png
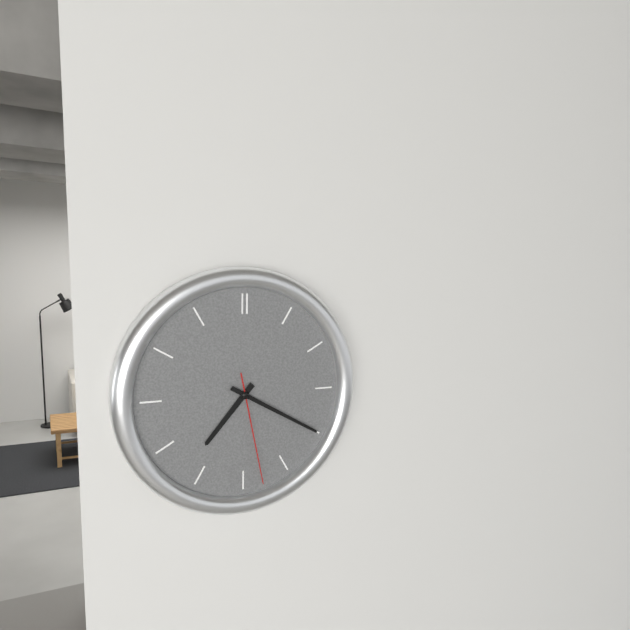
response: 7h20m28s
